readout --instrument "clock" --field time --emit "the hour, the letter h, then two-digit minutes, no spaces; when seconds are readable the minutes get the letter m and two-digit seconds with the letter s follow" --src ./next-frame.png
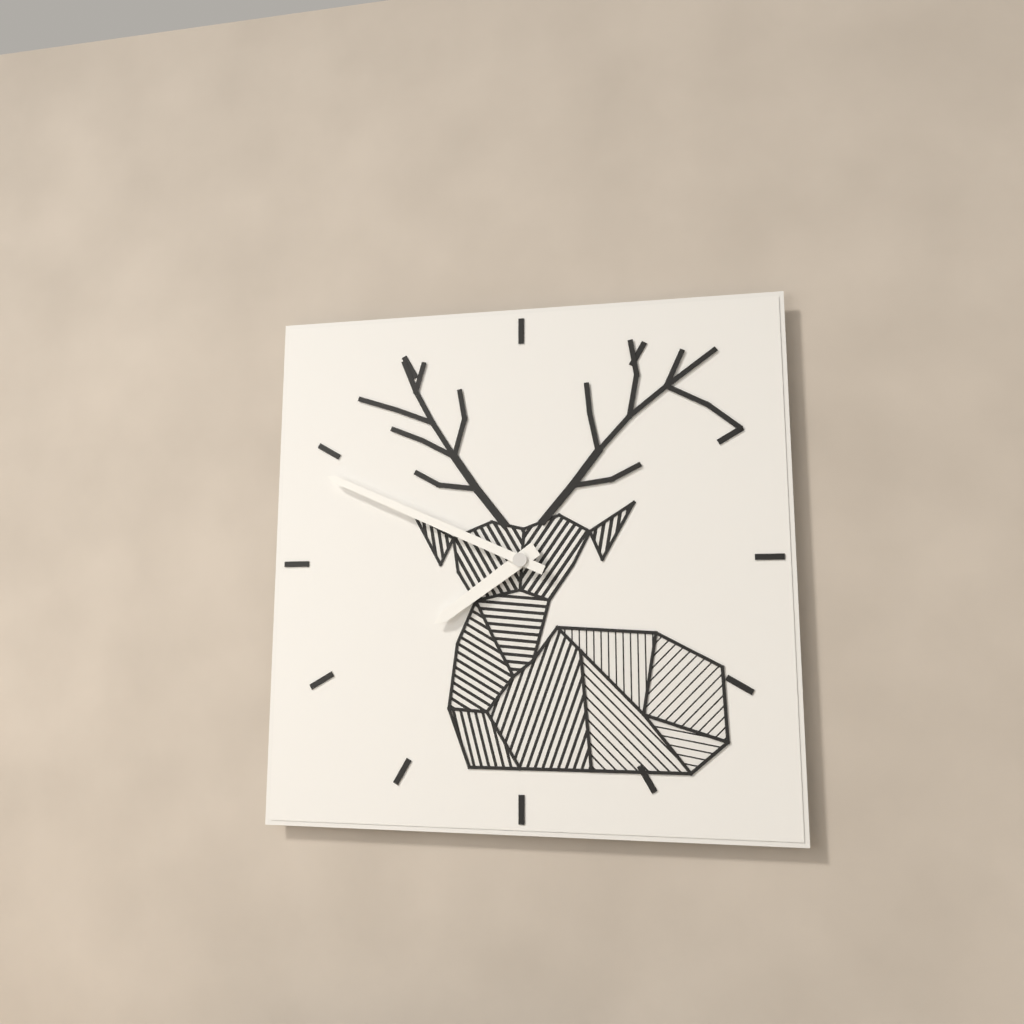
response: 7h49
